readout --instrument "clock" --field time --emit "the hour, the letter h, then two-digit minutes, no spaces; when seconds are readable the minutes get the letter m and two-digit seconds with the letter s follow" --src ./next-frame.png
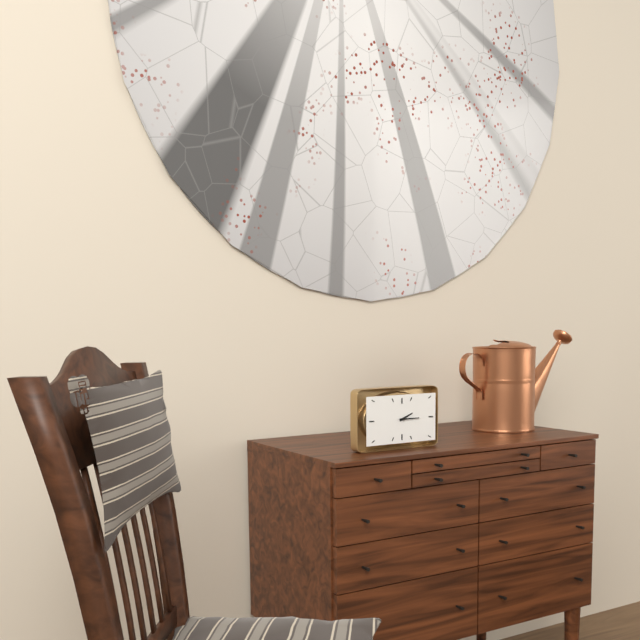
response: 2h15
